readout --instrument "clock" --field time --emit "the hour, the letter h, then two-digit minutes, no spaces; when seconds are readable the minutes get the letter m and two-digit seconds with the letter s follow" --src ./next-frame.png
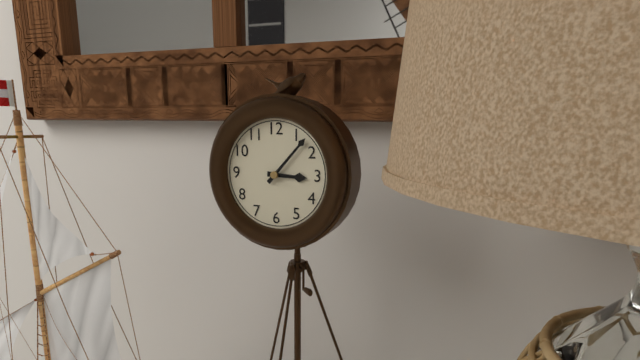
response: 3h07
